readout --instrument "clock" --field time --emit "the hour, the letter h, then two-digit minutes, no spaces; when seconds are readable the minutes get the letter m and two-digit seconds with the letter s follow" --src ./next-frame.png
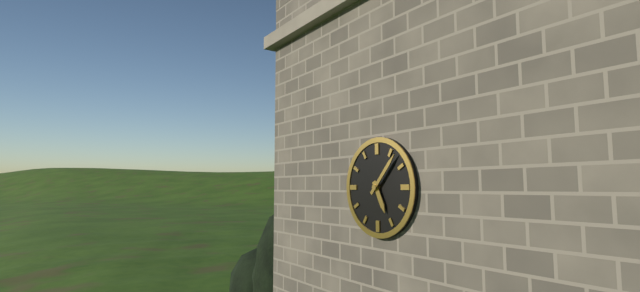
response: 5h07
